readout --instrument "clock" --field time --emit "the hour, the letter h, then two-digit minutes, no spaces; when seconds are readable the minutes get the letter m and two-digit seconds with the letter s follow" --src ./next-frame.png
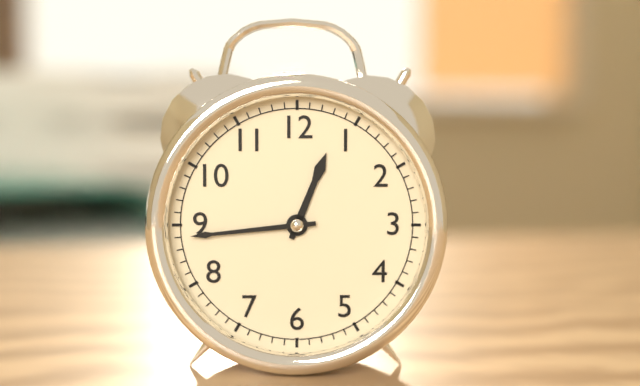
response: 12h44
